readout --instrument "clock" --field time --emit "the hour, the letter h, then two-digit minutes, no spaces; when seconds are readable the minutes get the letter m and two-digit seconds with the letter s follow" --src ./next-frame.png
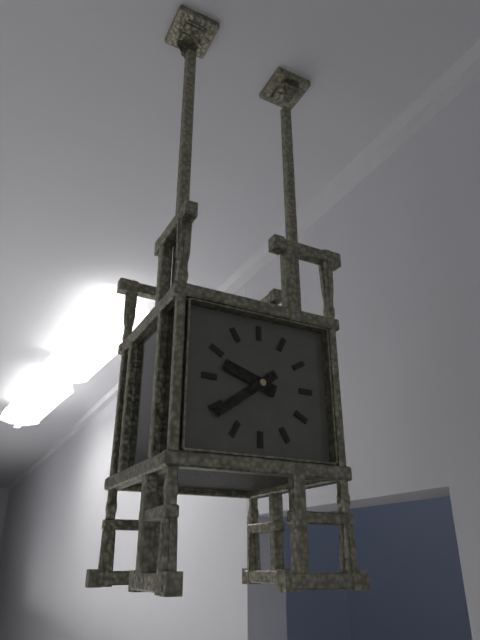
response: 9h39
